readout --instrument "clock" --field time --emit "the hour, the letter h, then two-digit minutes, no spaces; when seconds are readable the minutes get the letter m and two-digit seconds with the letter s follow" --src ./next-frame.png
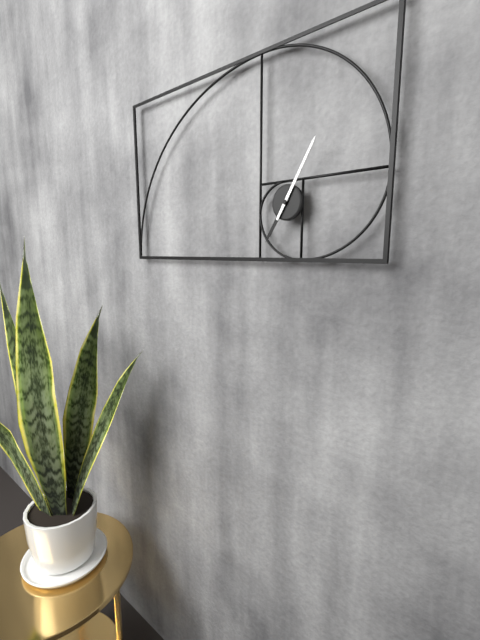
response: 7h05
